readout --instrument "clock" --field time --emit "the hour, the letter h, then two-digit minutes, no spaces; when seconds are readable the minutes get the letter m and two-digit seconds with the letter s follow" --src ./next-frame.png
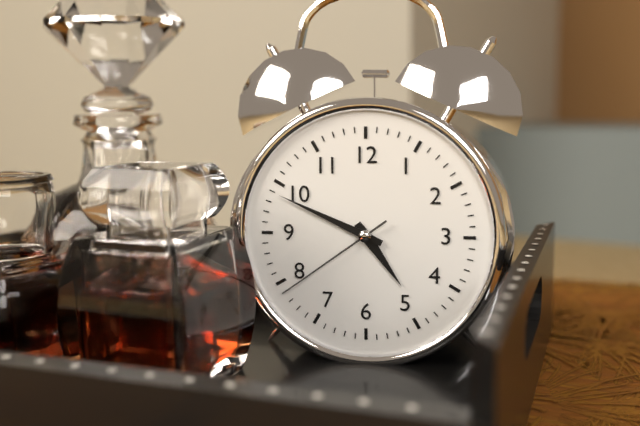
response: 4h49m39s
